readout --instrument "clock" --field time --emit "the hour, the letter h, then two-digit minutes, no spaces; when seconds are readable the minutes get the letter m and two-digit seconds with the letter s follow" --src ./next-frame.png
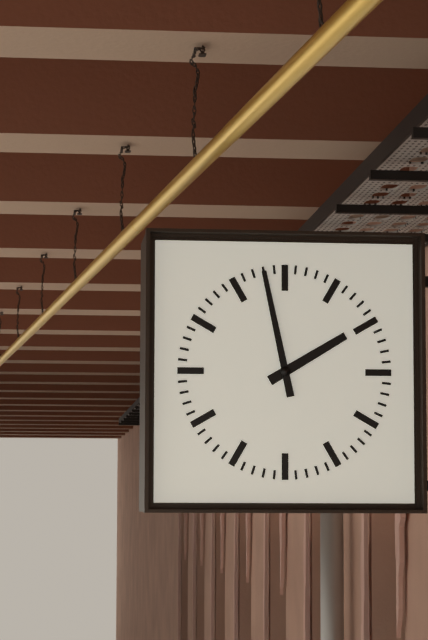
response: 1h58
